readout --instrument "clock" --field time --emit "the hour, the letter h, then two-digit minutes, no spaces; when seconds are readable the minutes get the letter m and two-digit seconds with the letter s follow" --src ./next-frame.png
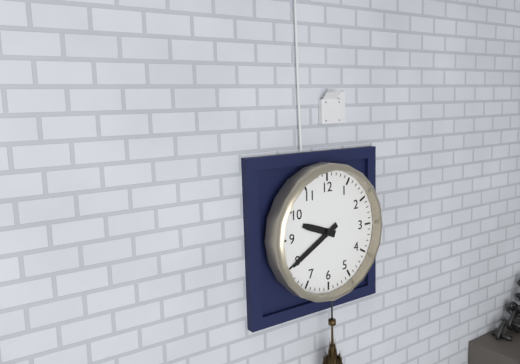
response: 9h40
